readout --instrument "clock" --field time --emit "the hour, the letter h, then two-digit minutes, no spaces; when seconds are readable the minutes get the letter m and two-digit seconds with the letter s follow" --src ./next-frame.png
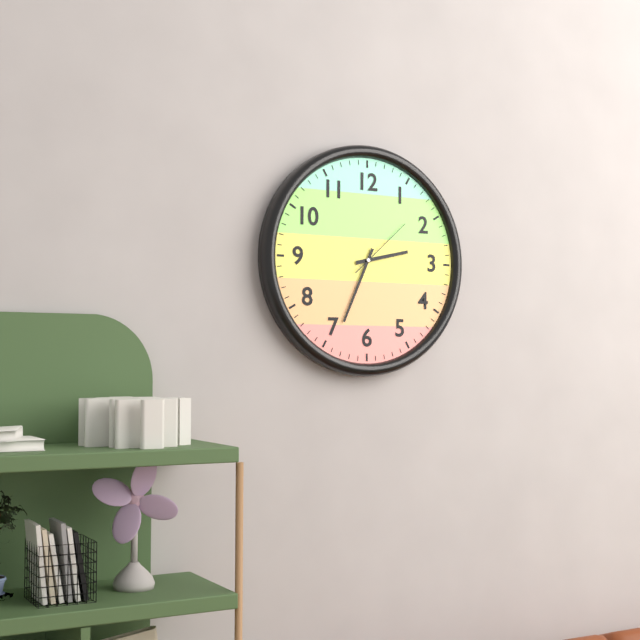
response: 2h34m08s
